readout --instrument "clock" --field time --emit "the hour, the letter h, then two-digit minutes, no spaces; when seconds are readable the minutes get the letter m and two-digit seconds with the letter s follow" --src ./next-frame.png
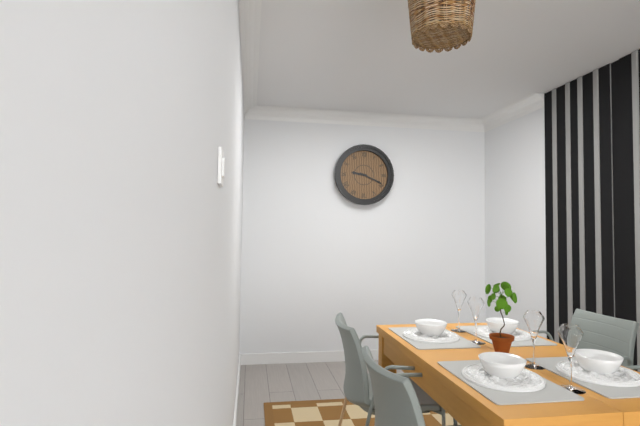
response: 9h19
